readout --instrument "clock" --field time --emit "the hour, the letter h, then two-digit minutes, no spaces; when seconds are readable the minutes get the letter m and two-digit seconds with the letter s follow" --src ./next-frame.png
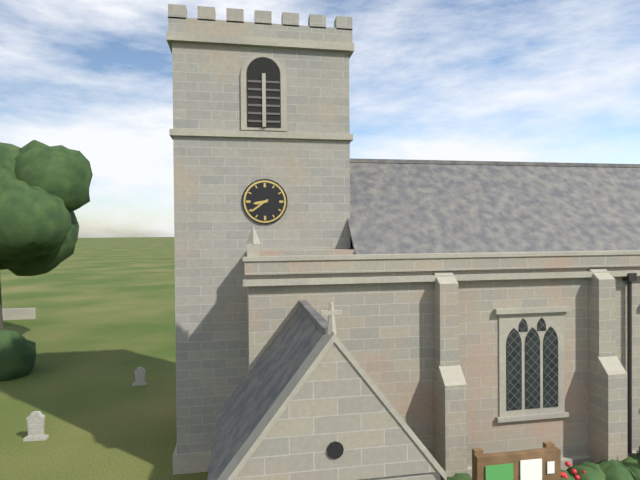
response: 8h39
